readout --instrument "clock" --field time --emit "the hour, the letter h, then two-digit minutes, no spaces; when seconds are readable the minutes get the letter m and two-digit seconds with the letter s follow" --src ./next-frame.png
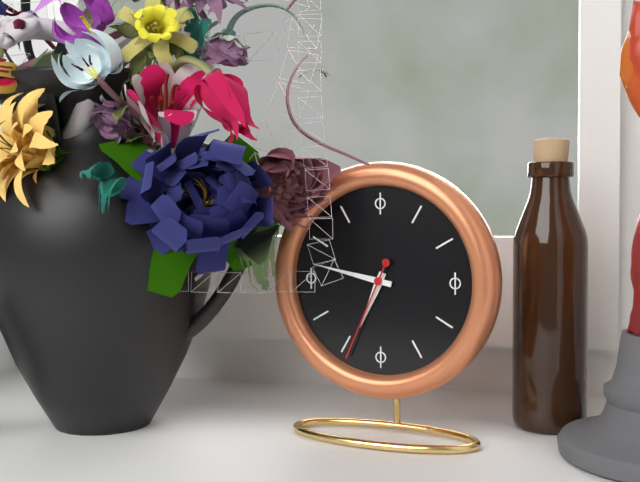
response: 6h47m34s
